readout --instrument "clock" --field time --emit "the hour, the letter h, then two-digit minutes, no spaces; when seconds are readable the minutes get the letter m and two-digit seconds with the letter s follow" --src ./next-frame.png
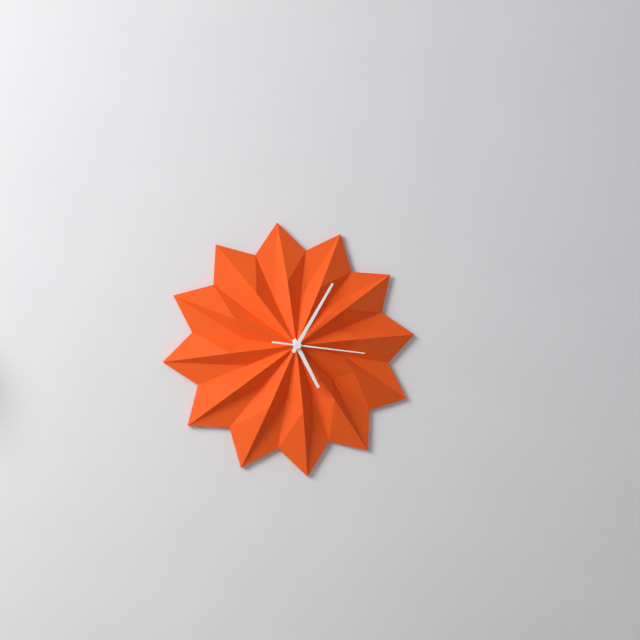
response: 5h05m16s
